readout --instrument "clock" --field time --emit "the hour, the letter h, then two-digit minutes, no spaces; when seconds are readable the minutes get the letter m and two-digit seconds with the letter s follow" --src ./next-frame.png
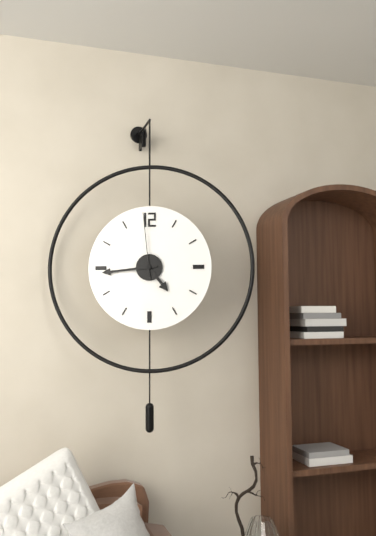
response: 4h44m59s
